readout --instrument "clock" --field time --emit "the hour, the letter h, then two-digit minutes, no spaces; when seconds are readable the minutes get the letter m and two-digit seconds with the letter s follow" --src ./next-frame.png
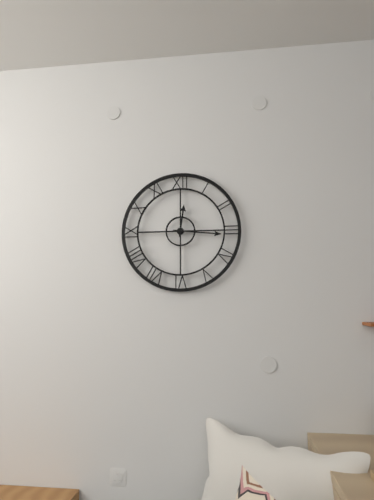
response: 12h16
